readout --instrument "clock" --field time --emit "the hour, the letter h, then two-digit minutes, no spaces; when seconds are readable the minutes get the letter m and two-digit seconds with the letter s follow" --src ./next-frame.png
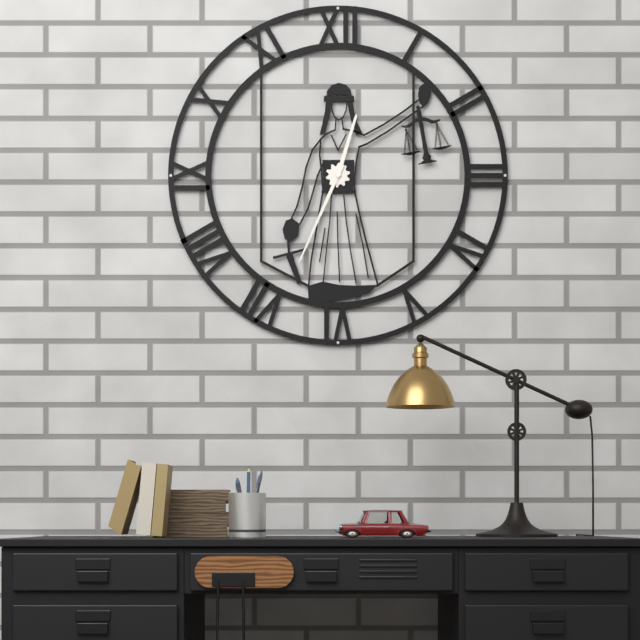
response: 12h34
